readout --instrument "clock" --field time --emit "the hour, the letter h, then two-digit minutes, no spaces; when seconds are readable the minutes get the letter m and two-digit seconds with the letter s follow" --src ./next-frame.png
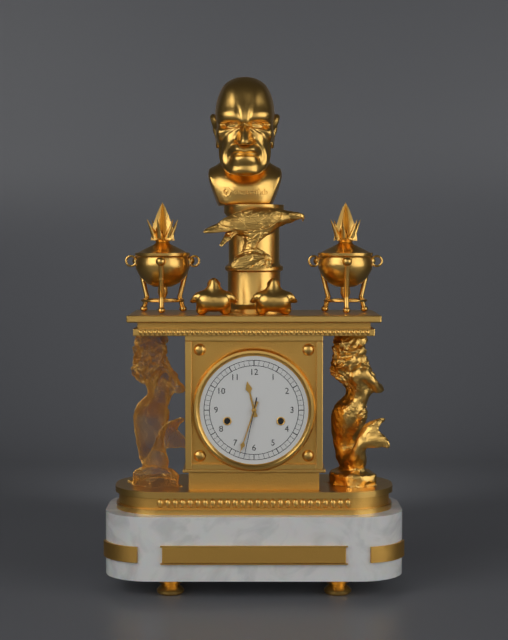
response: 11h33m32s
